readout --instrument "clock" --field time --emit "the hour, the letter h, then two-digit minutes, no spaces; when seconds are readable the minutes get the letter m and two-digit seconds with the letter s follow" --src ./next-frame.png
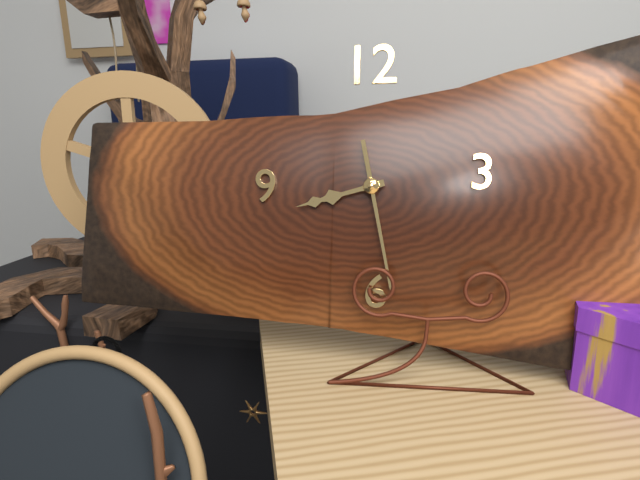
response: 8h28
